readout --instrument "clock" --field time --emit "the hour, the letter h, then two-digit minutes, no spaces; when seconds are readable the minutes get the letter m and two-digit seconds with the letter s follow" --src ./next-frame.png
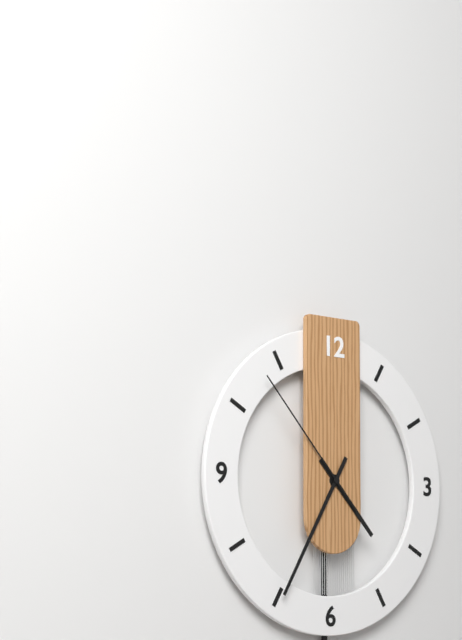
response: 4h35m53s
